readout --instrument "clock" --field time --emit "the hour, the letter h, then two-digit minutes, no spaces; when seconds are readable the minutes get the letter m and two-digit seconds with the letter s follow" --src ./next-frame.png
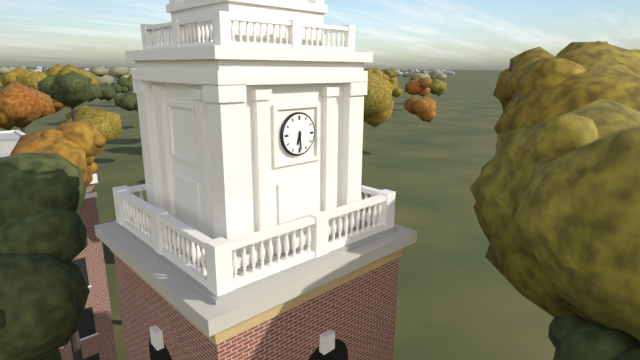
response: 6h29
